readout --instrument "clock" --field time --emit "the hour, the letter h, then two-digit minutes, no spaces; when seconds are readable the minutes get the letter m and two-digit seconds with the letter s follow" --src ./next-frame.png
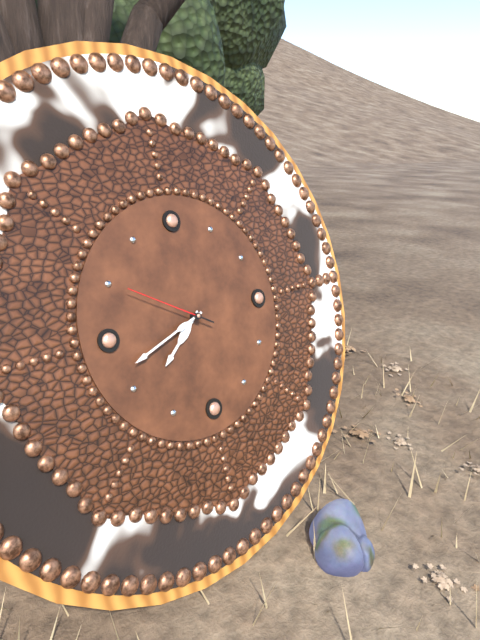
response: 7h42m50s
